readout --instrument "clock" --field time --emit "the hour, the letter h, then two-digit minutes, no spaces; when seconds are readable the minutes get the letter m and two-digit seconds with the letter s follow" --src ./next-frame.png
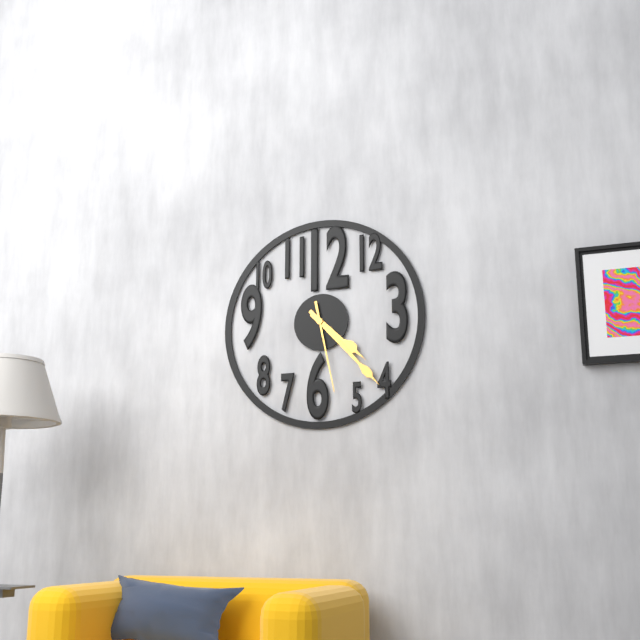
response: 4h23m28s
